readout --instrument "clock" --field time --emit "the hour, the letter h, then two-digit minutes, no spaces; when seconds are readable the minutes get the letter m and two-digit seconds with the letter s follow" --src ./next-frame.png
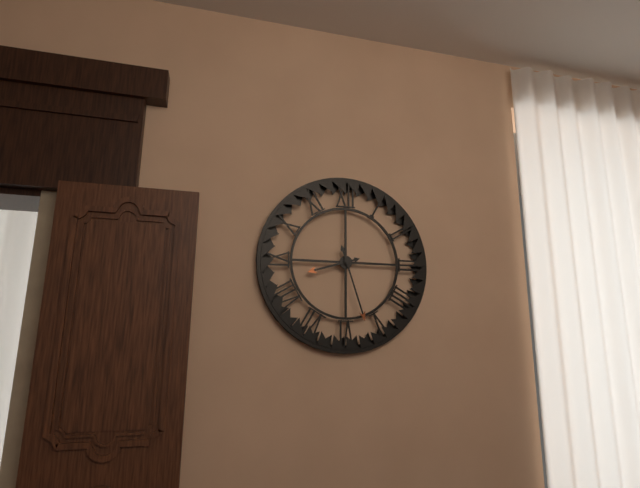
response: 8h27
